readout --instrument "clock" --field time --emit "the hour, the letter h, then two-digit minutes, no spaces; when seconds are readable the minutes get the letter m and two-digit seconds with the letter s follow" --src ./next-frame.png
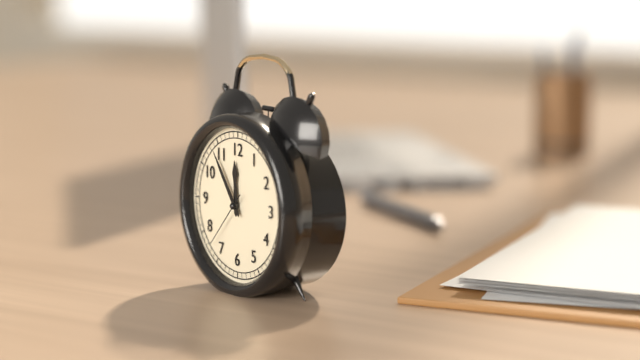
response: 11h54m37s
